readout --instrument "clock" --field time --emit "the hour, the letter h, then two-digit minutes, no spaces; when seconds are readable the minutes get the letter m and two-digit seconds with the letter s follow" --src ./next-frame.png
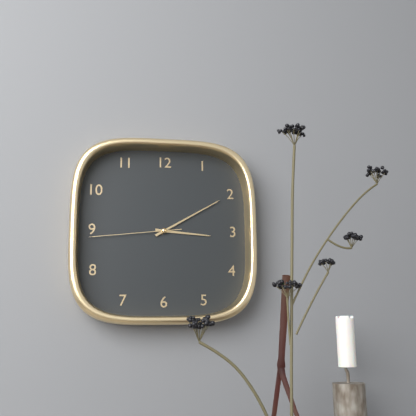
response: 3h10m44s
